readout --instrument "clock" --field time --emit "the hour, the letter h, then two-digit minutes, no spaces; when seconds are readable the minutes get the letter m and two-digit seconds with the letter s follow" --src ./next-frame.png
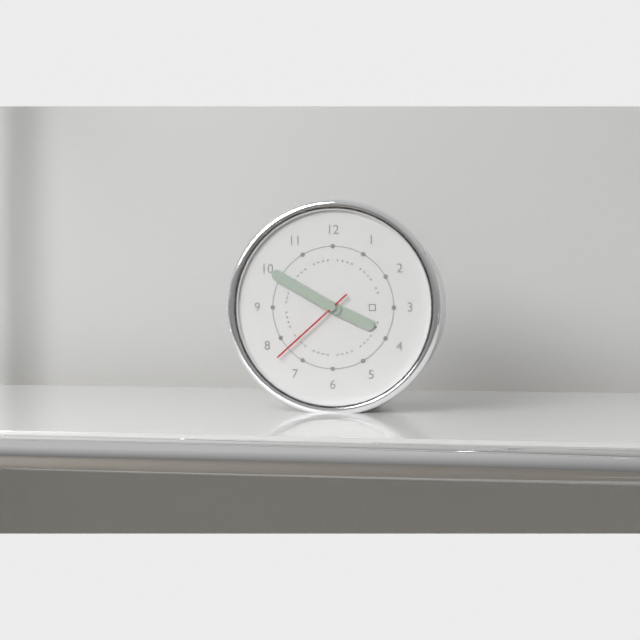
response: 3h50m38s
